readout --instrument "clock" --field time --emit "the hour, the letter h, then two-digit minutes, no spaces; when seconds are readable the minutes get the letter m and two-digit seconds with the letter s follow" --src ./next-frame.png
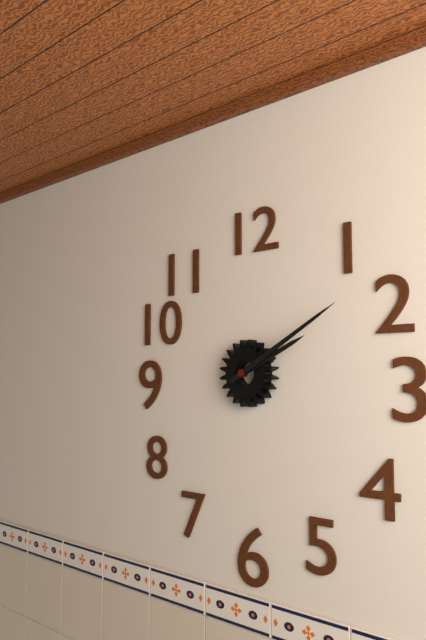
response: 2h10
